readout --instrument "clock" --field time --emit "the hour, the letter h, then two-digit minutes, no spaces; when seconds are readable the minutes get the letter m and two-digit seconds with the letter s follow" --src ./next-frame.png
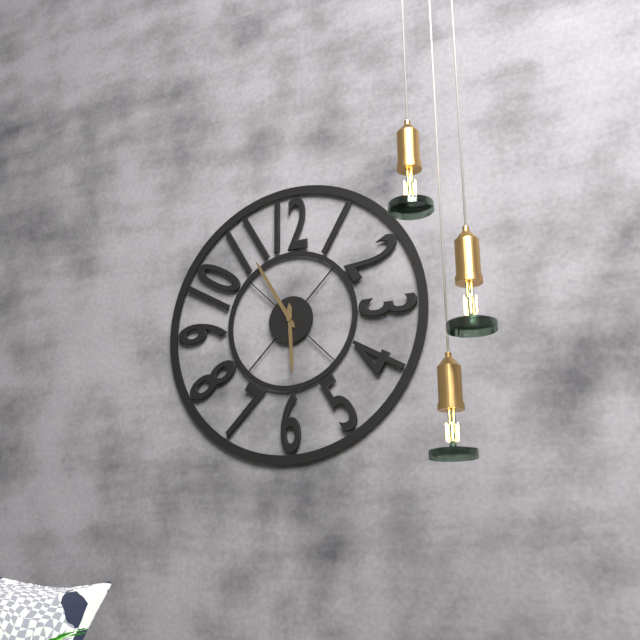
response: 5h55
